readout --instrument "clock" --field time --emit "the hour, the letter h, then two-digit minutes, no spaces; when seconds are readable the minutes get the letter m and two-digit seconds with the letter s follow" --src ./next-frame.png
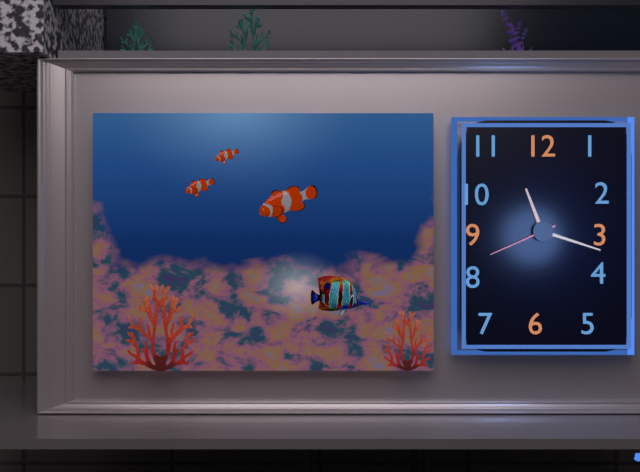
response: 11h18m41s
